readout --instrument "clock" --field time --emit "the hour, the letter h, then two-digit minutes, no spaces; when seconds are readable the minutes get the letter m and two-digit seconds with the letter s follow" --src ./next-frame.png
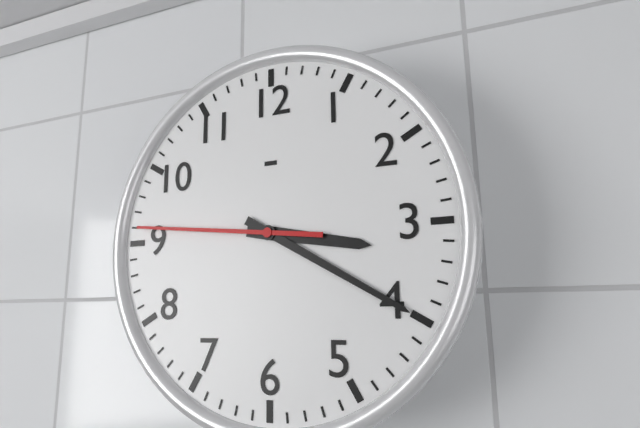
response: 3h20m46s
